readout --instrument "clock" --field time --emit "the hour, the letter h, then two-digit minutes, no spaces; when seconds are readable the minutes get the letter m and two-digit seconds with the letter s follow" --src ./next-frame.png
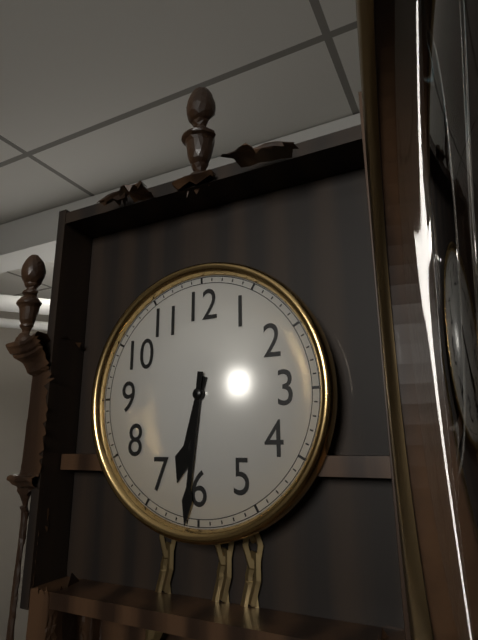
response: 6h31
